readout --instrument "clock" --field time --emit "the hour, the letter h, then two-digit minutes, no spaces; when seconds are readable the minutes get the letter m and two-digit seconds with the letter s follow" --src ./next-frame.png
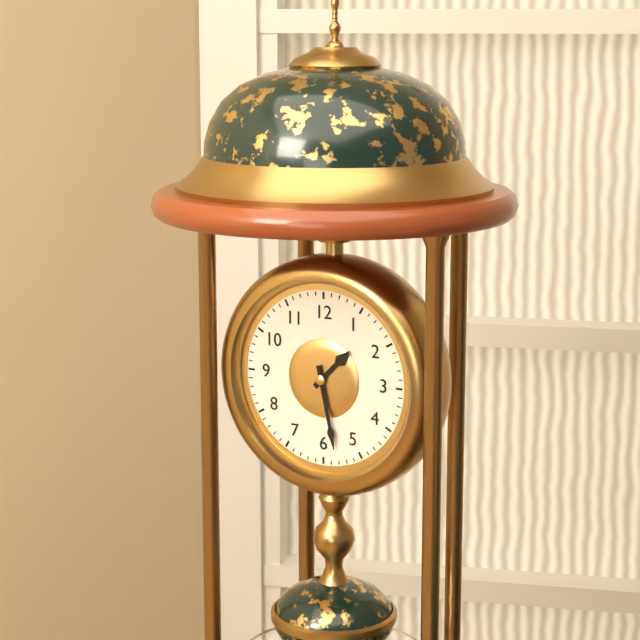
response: 1h28
